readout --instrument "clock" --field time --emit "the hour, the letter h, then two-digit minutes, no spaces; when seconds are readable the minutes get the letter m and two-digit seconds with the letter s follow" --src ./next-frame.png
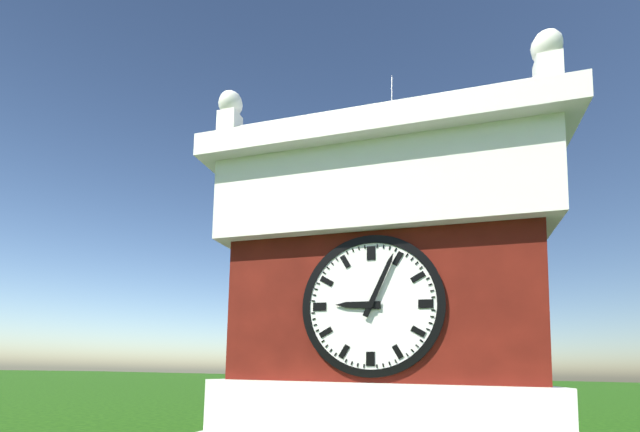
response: 9h04
